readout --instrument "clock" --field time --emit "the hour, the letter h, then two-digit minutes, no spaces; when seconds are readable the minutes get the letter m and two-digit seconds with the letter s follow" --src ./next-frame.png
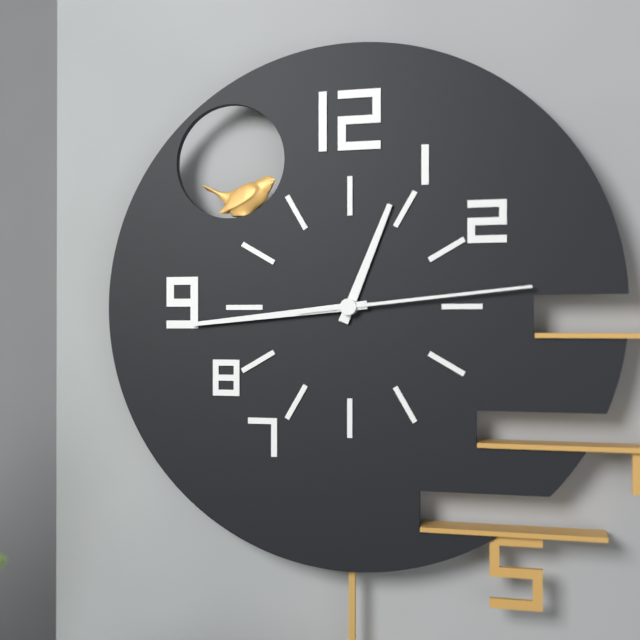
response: 12h44m14s
